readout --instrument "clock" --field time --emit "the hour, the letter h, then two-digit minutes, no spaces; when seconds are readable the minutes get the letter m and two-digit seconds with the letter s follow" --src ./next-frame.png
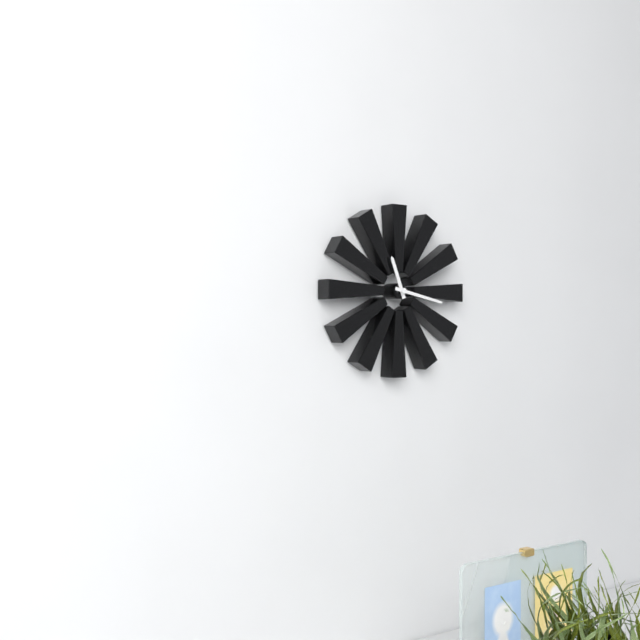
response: 11h17
